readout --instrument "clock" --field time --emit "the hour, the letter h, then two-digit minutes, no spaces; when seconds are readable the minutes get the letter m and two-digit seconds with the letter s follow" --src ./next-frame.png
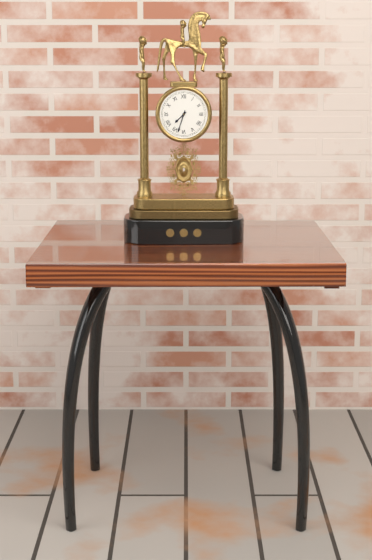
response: 7h33
